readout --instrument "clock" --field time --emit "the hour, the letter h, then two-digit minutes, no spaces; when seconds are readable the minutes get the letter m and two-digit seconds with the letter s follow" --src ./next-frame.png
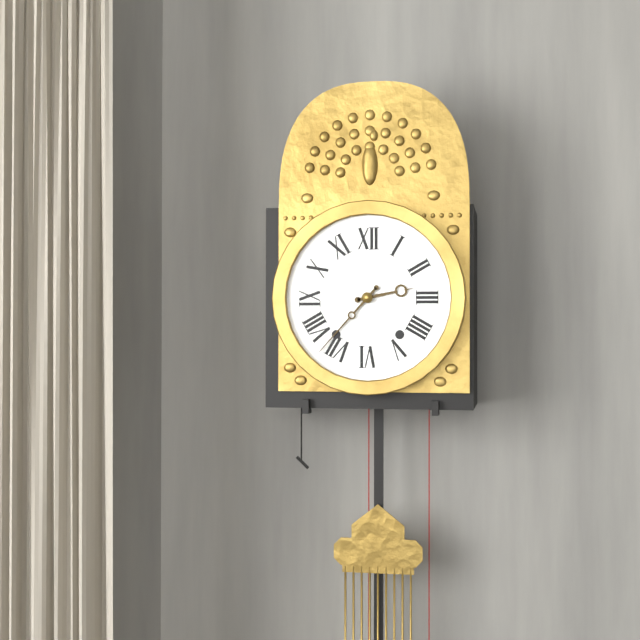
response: 2h37
